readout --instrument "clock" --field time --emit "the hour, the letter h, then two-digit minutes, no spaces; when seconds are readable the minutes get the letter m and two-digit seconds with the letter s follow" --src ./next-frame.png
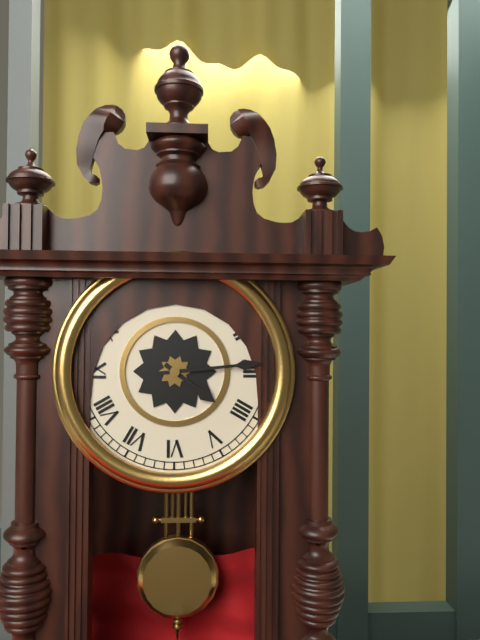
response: 4h14
